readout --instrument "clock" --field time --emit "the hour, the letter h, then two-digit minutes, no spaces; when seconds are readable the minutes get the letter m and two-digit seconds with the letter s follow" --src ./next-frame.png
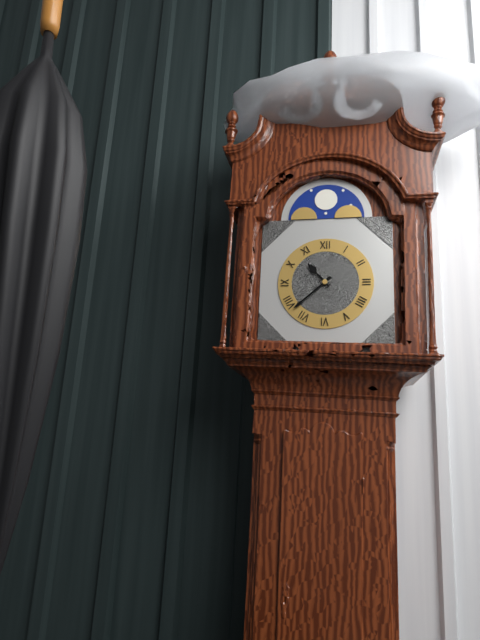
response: 10h38
